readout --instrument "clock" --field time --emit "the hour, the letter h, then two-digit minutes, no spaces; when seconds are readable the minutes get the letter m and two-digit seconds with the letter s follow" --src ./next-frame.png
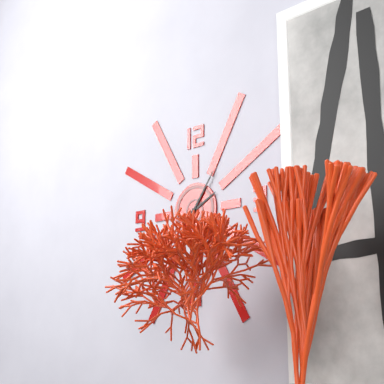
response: 2h06
